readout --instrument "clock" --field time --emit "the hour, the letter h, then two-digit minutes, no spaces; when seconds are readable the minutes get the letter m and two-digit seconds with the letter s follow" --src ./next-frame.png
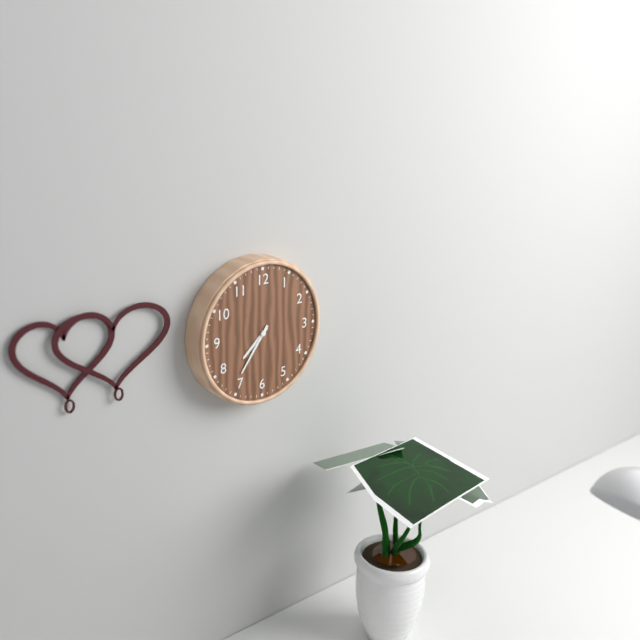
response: 7h36
